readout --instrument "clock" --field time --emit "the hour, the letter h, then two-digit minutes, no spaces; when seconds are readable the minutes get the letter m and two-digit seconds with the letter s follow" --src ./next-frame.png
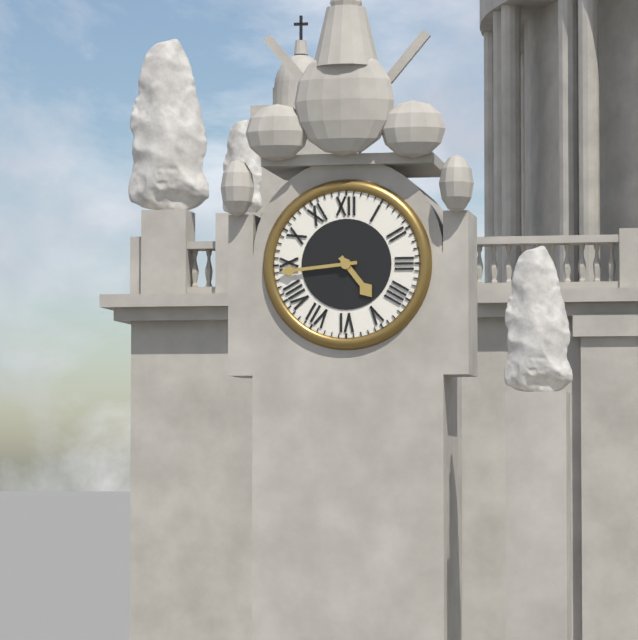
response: 4h44
